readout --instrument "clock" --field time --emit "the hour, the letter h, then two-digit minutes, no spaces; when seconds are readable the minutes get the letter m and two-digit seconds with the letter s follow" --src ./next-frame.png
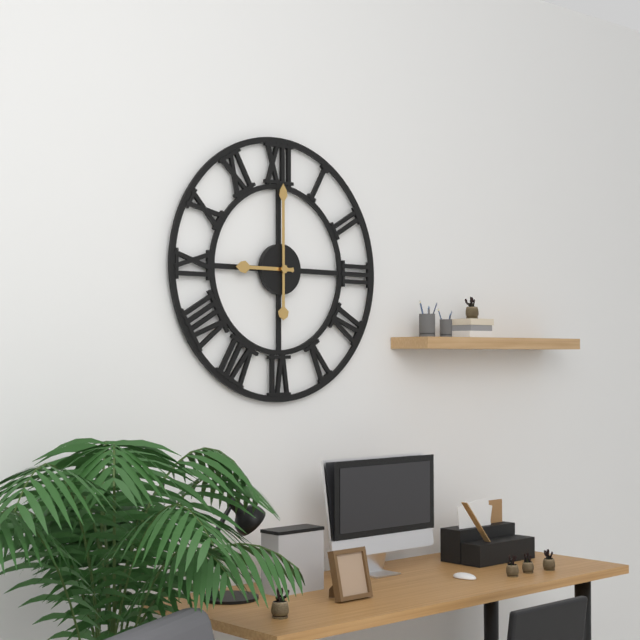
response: 9h00
